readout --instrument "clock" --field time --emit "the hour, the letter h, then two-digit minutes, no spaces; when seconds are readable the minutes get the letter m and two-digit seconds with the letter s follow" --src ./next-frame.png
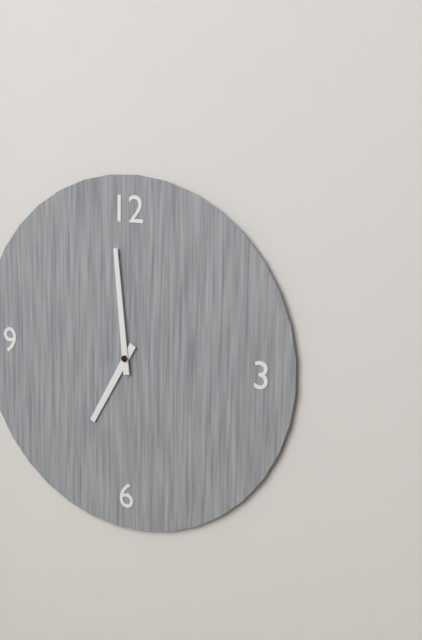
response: 6h59
